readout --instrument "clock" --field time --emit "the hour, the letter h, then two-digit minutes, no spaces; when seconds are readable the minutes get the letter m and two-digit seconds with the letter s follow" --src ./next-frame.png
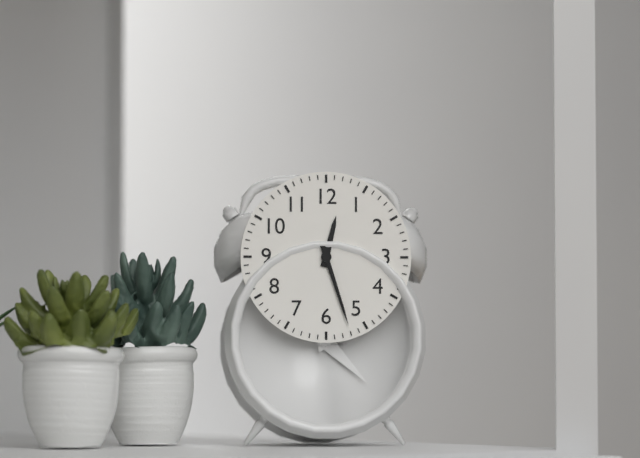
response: 12h27
